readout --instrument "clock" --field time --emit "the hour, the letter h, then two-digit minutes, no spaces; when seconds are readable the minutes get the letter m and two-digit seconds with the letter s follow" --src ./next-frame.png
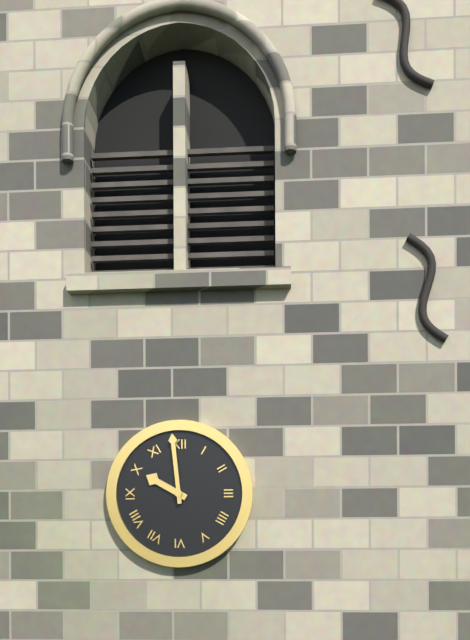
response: 9h59
